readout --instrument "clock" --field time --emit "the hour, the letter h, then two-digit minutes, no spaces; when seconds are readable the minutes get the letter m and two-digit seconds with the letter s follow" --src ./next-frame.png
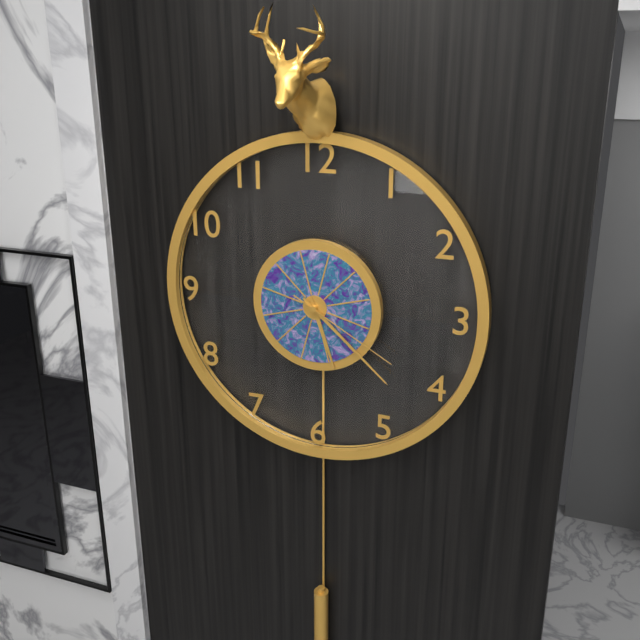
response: 5h22m20s
